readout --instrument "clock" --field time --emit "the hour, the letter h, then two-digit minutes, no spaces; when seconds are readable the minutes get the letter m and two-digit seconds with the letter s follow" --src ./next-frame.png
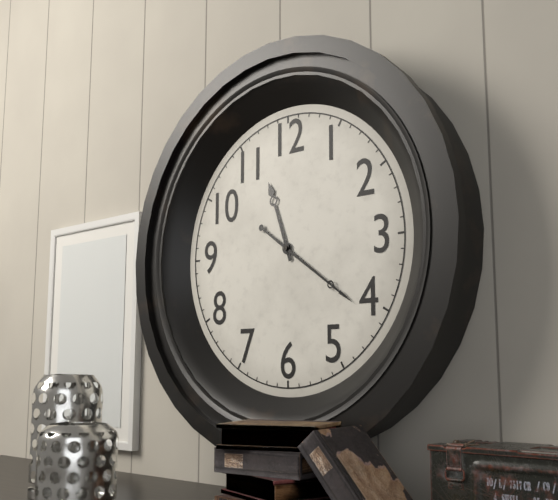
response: 11h21
